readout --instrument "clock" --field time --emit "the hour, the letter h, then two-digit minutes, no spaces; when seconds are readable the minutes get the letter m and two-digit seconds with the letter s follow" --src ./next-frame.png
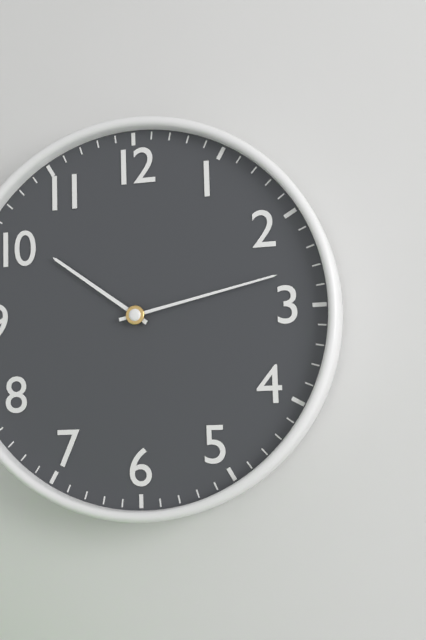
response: 10h13
